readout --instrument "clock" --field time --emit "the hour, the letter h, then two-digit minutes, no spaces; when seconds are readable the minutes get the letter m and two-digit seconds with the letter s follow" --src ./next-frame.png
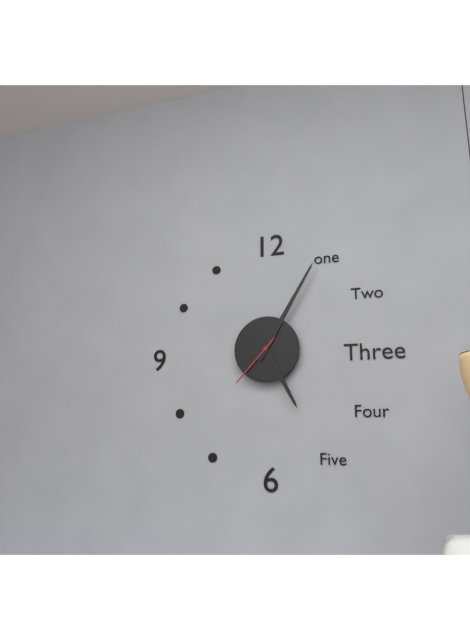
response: 5h05m37s
